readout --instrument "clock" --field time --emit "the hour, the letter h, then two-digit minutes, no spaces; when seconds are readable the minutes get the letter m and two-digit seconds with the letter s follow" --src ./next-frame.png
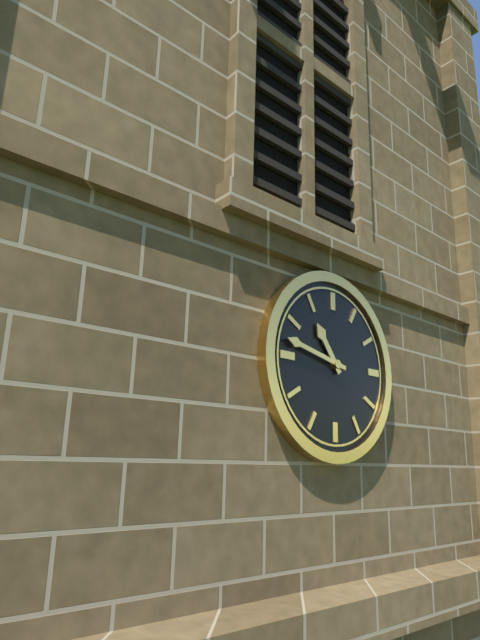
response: 10h47
